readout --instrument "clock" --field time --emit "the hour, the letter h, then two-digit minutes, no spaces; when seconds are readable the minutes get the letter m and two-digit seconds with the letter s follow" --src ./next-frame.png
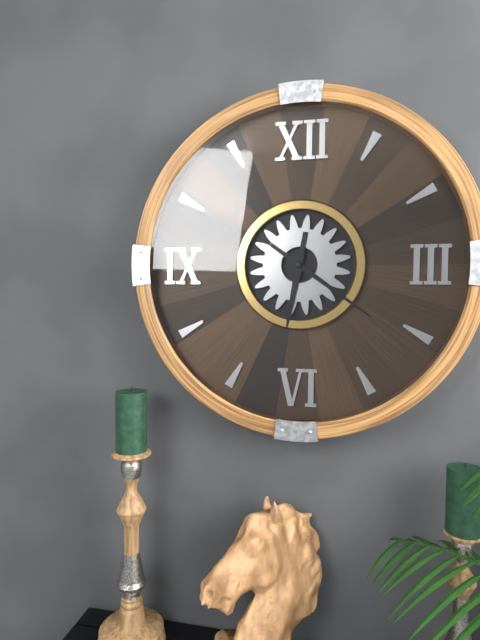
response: 6h21
